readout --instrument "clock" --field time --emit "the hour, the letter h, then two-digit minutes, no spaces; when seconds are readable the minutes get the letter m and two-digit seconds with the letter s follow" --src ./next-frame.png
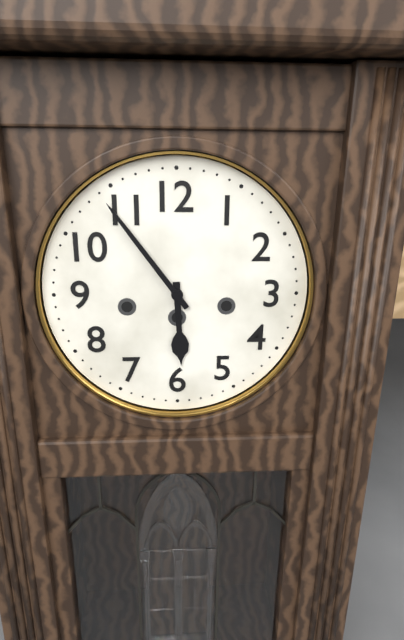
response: 5h54
